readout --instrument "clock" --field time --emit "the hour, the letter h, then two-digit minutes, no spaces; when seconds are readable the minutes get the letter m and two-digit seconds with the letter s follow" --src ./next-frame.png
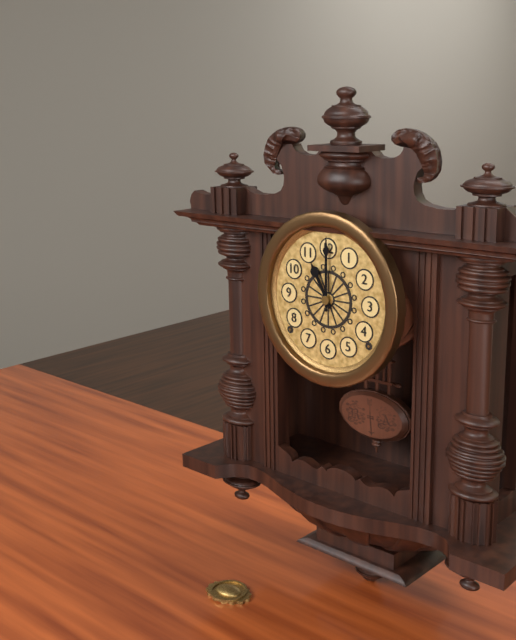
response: 11h00
